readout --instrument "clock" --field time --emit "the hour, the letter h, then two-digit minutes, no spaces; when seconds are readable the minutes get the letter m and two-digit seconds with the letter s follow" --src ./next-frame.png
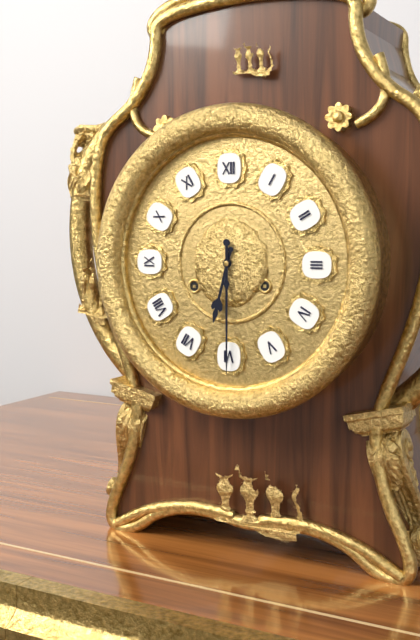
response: 6h30
